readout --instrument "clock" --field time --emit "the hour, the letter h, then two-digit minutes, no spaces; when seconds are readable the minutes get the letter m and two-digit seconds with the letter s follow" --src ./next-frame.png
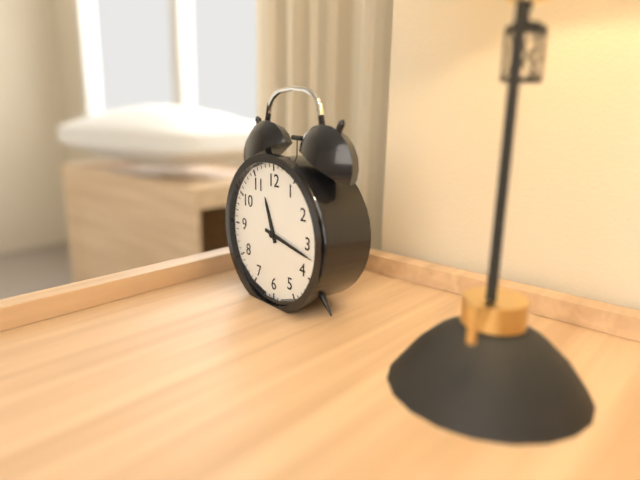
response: 11h17
